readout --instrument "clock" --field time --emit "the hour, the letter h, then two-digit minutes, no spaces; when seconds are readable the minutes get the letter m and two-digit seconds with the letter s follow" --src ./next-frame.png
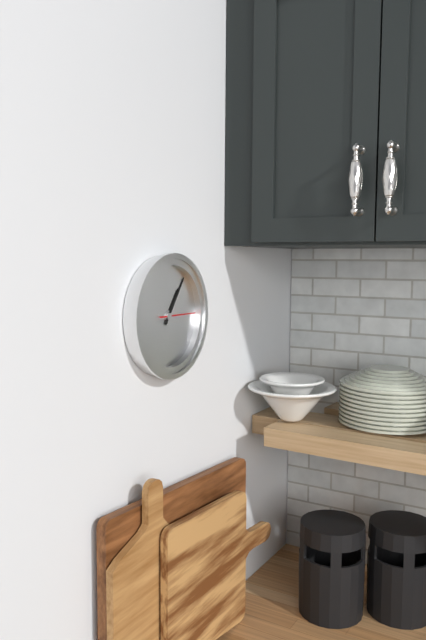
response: 1h06
